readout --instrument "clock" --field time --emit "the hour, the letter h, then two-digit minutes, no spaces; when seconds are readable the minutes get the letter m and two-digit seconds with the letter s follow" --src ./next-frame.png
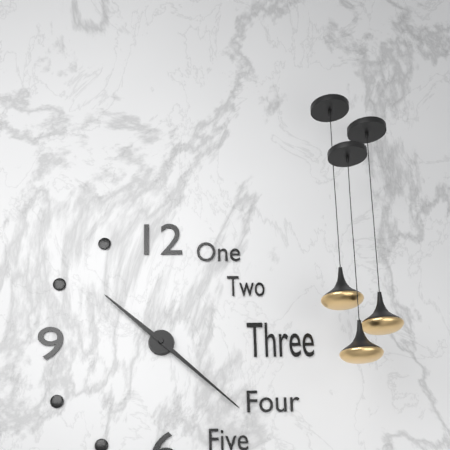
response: 10h22
